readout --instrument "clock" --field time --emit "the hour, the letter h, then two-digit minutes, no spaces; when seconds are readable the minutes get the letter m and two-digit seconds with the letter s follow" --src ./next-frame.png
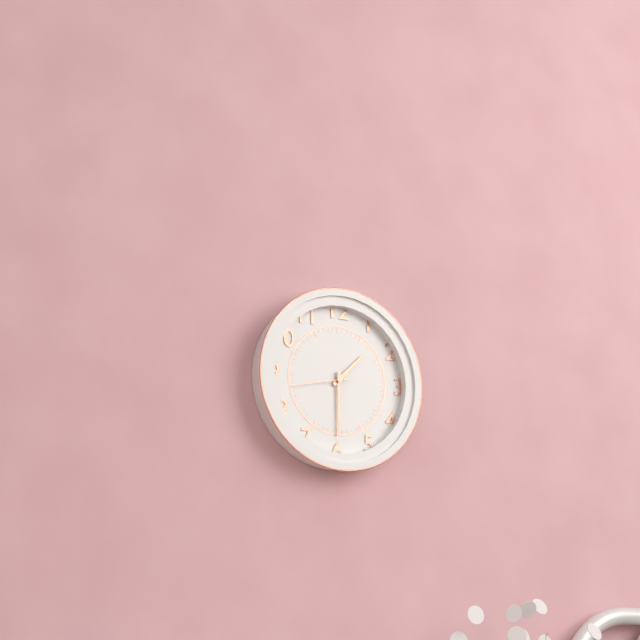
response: 1h30m43s
